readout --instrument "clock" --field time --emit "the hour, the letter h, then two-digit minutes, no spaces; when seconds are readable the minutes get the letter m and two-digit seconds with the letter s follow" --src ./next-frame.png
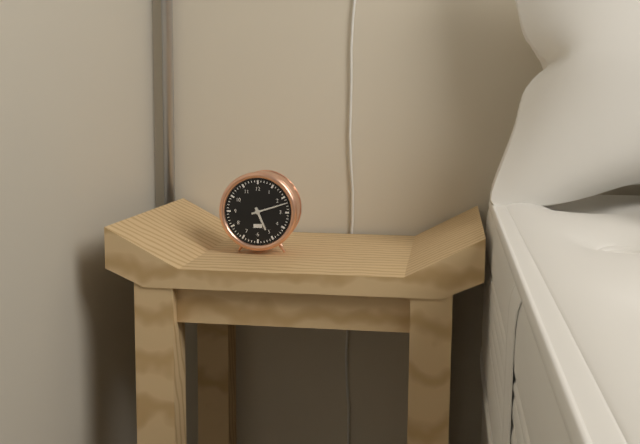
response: 5h12
